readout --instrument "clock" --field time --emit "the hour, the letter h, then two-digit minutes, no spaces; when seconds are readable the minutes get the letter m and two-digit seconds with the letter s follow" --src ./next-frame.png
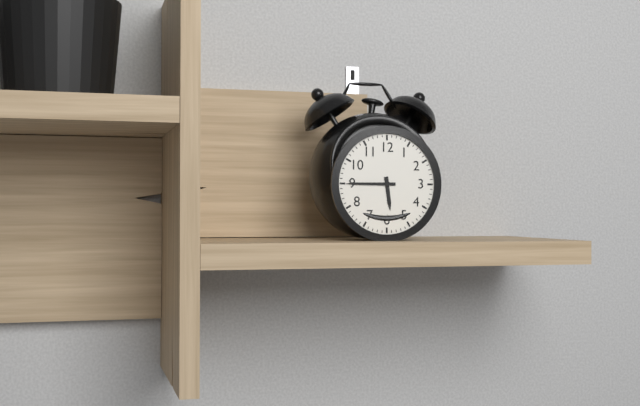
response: 5h45
